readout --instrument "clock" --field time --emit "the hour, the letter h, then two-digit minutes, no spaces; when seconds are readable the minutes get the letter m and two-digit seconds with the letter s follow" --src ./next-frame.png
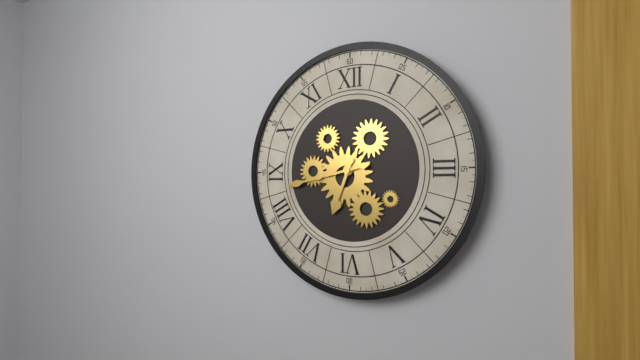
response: 6h43
